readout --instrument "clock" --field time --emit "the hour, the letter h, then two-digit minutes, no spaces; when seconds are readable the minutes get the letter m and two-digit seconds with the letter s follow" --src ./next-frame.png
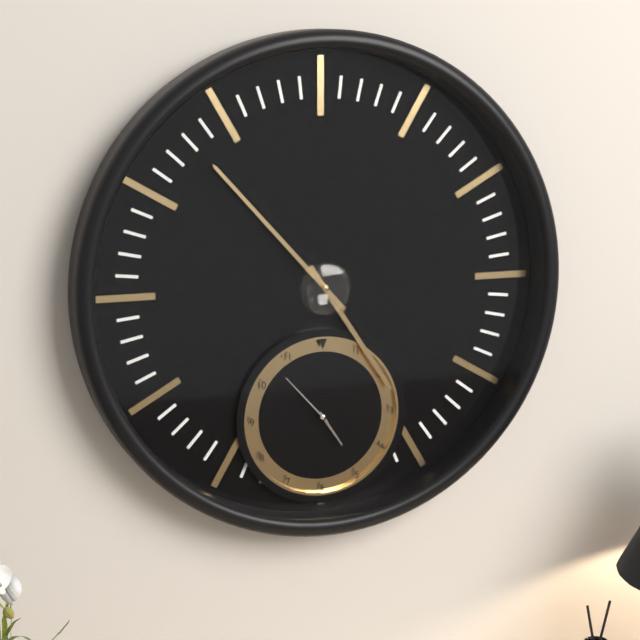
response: 4h53
